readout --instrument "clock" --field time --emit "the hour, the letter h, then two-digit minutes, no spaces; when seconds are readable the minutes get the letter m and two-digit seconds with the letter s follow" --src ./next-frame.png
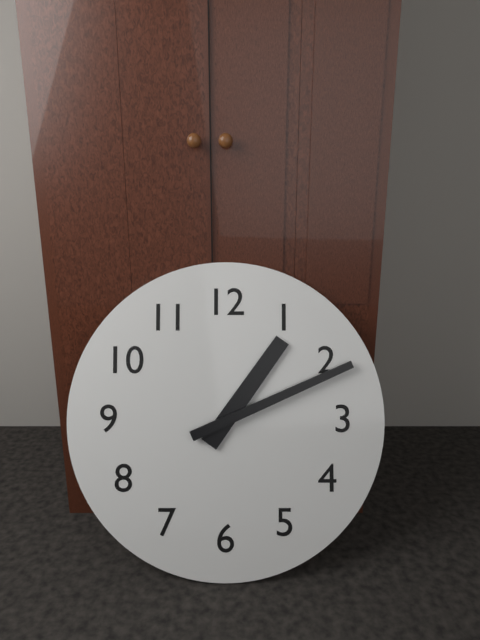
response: 1h11
